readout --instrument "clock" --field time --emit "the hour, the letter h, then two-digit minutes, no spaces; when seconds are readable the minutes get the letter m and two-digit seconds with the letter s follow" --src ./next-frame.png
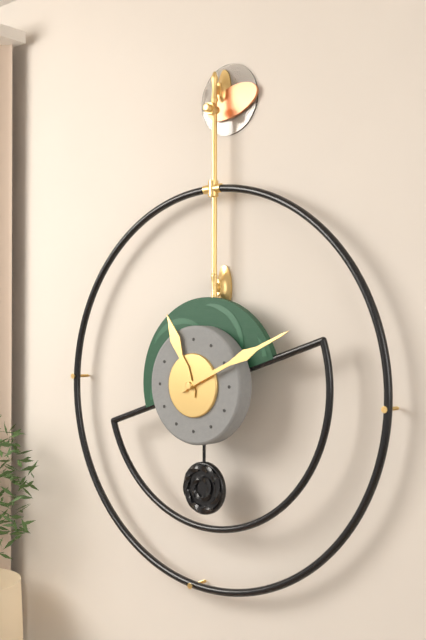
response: 11h11
